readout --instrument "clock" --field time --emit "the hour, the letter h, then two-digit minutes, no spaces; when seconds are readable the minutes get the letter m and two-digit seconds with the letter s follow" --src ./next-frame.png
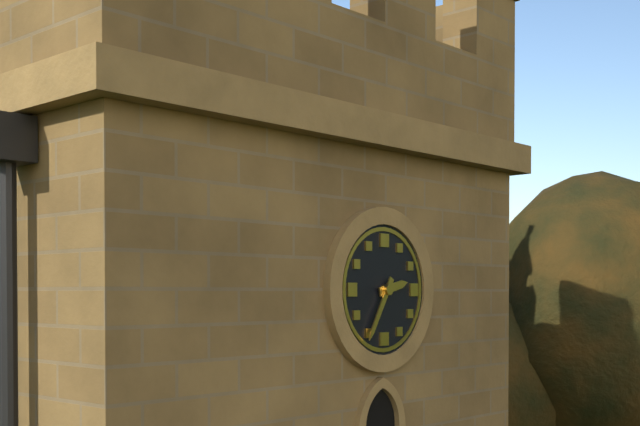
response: 2h35
